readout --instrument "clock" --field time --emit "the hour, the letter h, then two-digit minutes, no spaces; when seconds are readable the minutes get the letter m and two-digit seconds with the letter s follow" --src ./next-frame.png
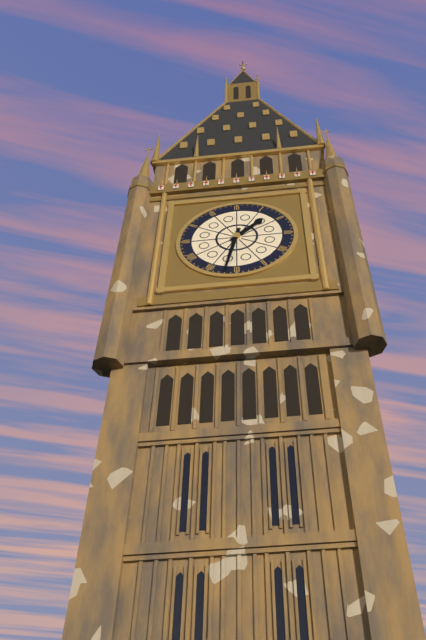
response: 1h32
